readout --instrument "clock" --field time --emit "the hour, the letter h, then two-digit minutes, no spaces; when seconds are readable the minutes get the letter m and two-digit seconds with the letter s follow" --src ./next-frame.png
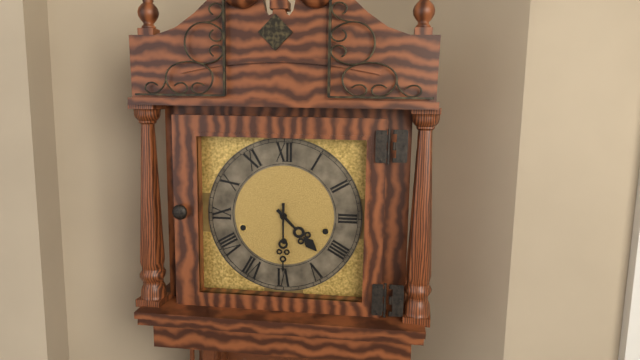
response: 4h30
